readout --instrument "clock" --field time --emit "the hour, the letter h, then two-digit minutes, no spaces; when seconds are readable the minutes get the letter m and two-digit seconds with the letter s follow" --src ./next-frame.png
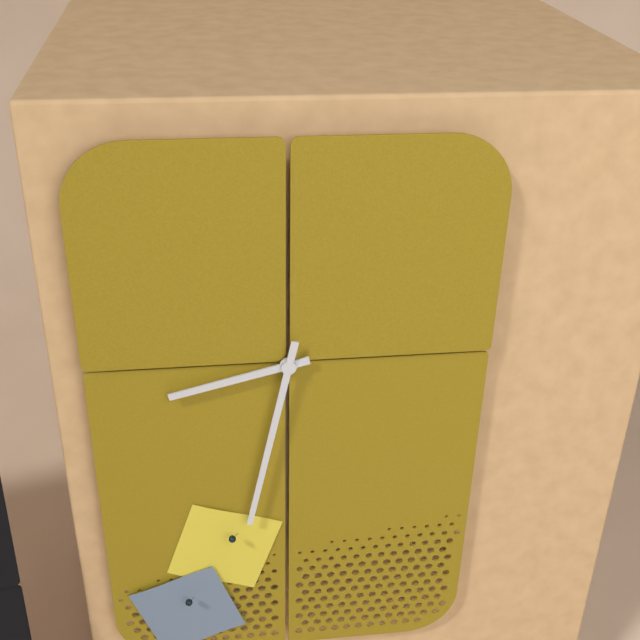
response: 8h32
